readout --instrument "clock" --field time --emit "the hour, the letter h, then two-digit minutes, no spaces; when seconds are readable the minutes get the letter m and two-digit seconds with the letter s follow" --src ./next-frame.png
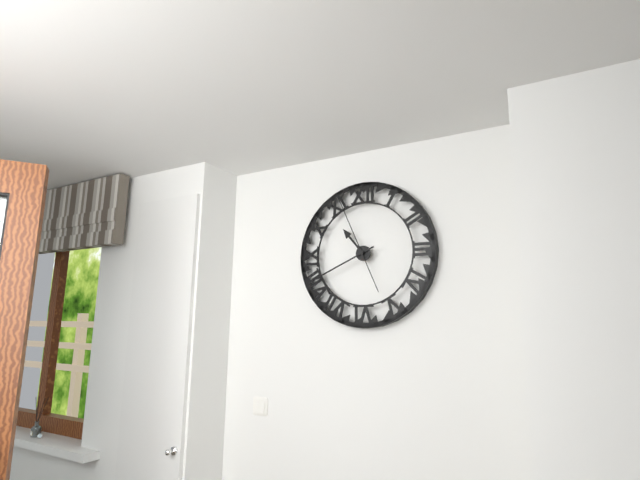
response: 10h41m56s
